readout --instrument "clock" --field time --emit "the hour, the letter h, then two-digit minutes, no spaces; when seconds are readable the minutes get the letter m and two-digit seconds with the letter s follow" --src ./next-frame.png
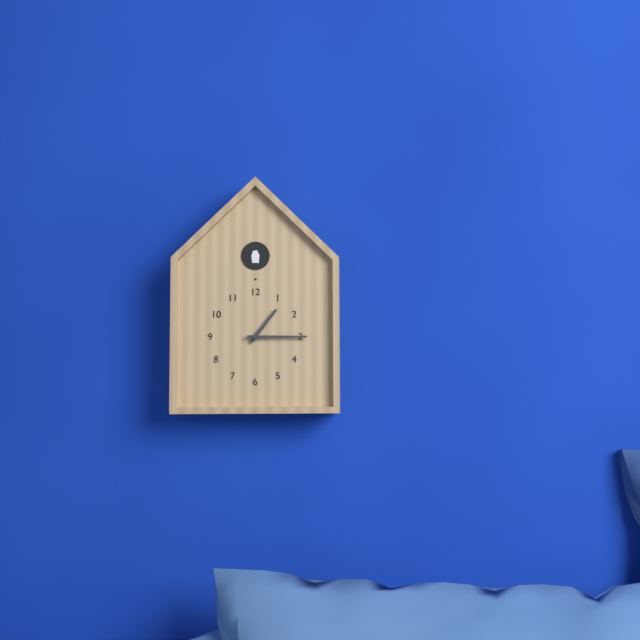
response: 1h15
